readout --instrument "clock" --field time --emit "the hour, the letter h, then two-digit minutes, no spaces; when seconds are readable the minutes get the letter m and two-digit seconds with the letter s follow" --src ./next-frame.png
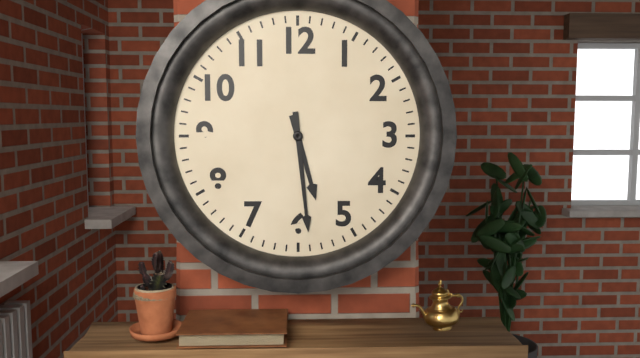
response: 5h29
